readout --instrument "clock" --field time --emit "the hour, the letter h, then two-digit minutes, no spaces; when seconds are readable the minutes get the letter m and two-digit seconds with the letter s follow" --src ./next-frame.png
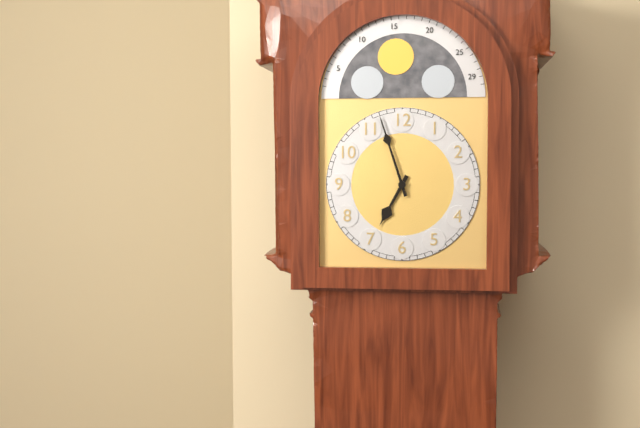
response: 6h57
